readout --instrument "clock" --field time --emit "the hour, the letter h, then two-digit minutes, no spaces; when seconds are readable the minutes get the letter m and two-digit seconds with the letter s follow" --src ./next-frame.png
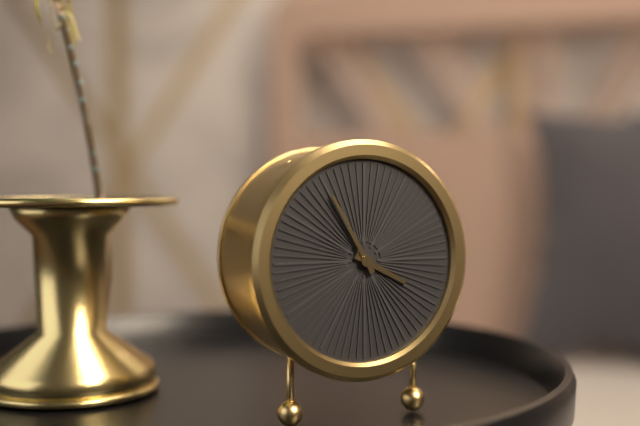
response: 3h55
